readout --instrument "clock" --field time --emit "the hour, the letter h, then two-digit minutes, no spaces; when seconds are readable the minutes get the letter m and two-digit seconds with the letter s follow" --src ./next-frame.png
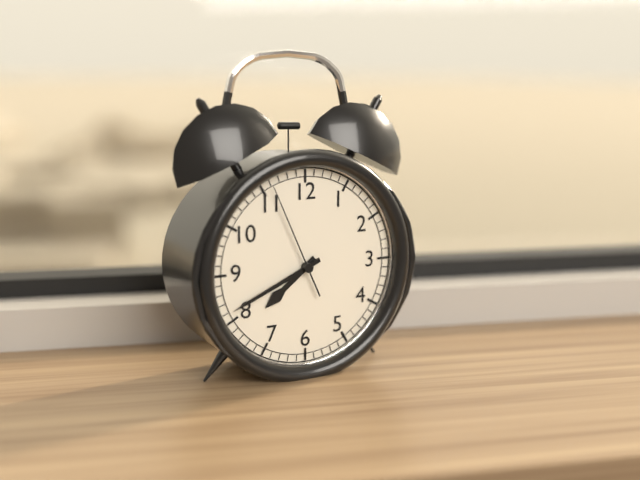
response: 7h41m56s
